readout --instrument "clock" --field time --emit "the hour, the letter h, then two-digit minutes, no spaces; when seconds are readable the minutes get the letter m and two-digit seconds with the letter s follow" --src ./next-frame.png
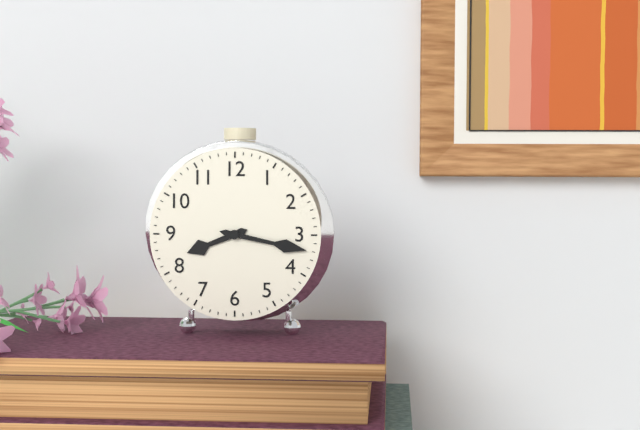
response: 8h17
